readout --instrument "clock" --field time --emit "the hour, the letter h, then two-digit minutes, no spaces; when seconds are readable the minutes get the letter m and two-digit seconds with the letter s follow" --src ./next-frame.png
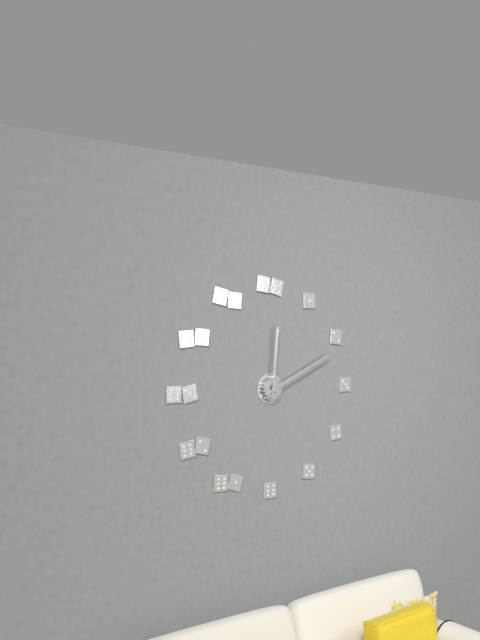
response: 12h11
